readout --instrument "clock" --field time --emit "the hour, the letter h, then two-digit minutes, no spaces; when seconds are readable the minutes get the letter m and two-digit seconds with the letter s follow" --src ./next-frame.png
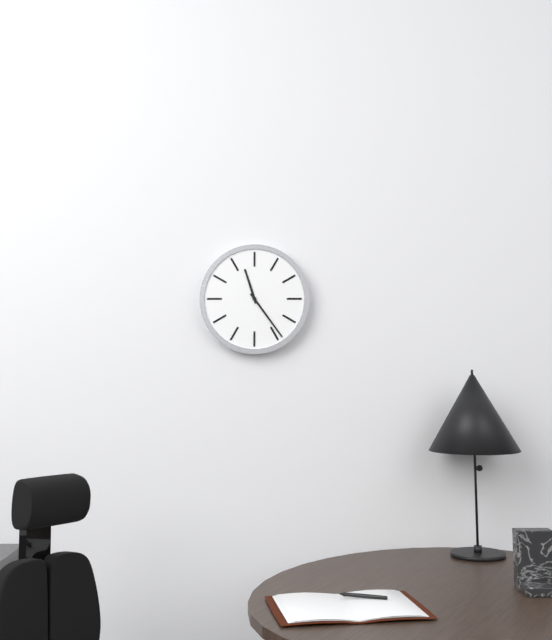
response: 11h24
